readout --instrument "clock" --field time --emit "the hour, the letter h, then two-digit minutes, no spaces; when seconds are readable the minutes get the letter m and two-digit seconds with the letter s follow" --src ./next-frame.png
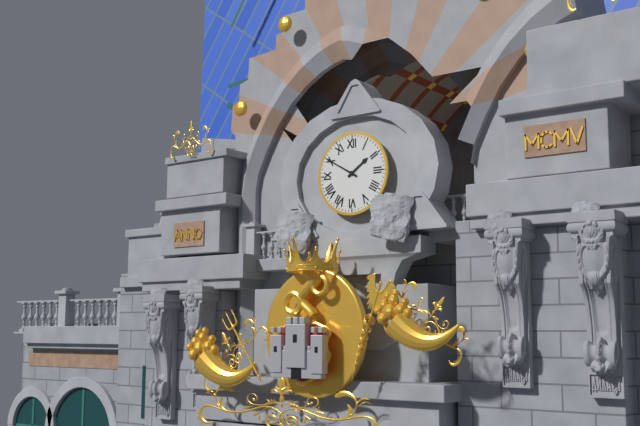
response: 1h50
